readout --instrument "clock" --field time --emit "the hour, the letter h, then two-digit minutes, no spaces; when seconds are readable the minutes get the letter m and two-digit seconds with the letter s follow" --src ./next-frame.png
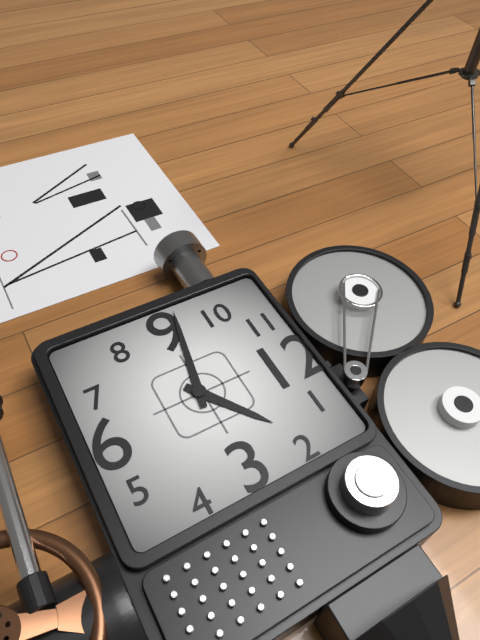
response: 1h47
